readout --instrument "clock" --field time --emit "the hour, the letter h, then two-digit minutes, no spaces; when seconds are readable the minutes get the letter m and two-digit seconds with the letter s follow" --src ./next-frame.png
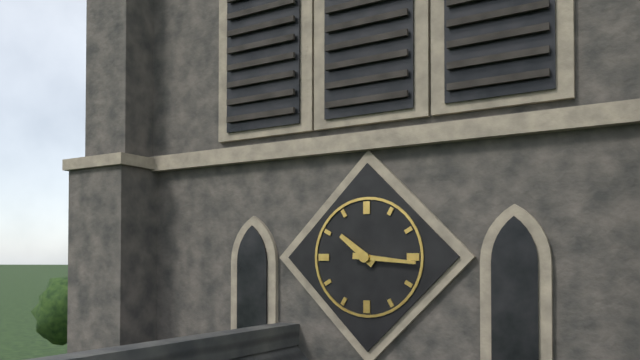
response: 10h16
